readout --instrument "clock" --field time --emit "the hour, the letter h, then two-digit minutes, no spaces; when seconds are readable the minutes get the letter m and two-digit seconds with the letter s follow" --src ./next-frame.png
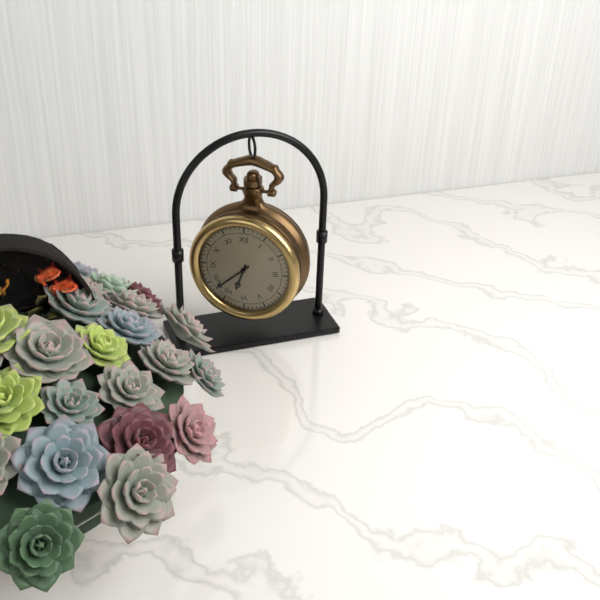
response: 6h38
